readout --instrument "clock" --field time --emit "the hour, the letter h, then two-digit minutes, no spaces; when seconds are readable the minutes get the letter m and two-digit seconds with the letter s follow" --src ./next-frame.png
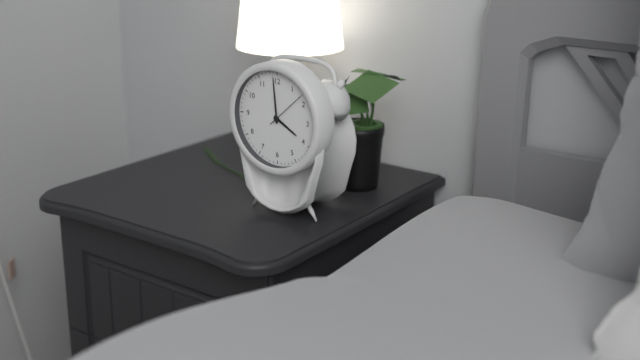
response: 3h59
